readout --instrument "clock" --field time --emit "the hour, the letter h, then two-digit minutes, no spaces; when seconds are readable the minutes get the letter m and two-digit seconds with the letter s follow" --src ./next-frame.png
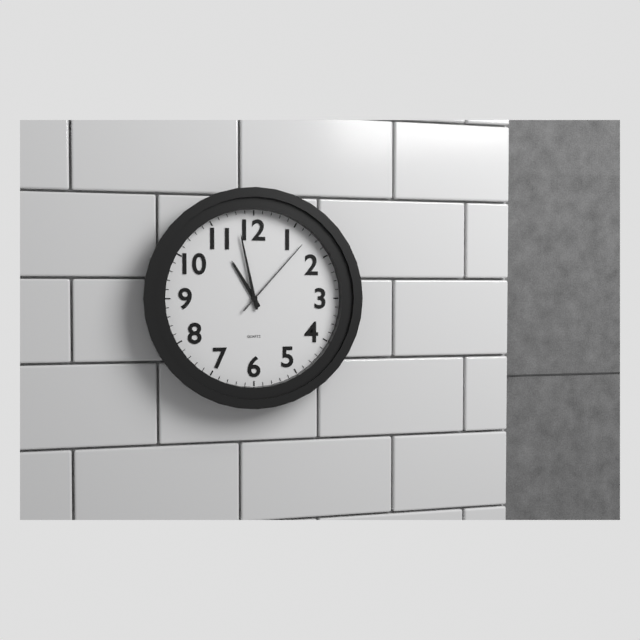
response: 10h58m07s
